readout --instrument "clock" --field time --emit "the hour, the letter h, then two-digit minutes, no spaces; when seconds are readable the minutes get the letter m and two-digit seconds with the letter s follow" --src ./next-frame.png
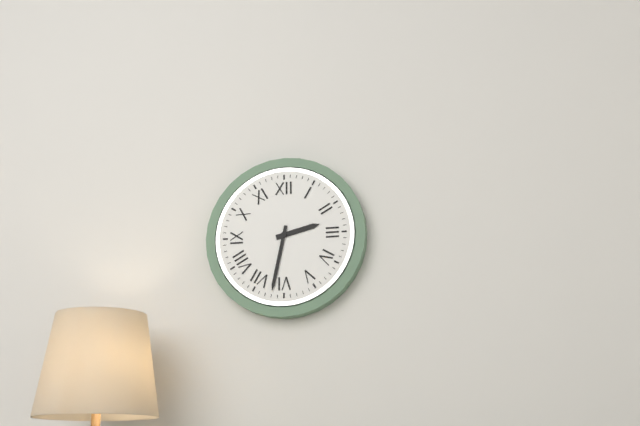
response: 2h32
